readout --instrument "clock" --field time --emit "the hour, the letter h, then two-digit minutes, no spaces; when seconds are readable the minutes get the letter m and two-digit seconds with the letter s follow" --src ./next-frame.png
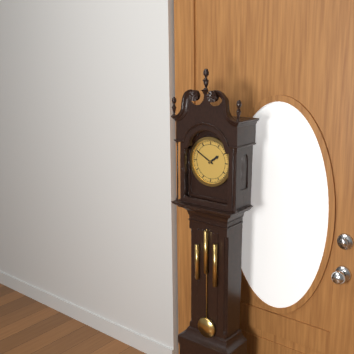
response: 1h50
